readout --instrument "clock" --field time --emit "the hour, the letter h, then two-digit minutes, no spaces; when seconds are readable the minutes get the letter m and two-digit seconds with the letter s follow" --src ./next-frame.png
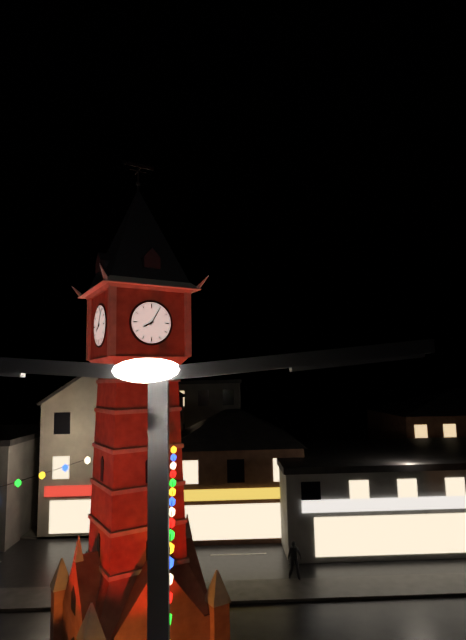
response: 8h05
